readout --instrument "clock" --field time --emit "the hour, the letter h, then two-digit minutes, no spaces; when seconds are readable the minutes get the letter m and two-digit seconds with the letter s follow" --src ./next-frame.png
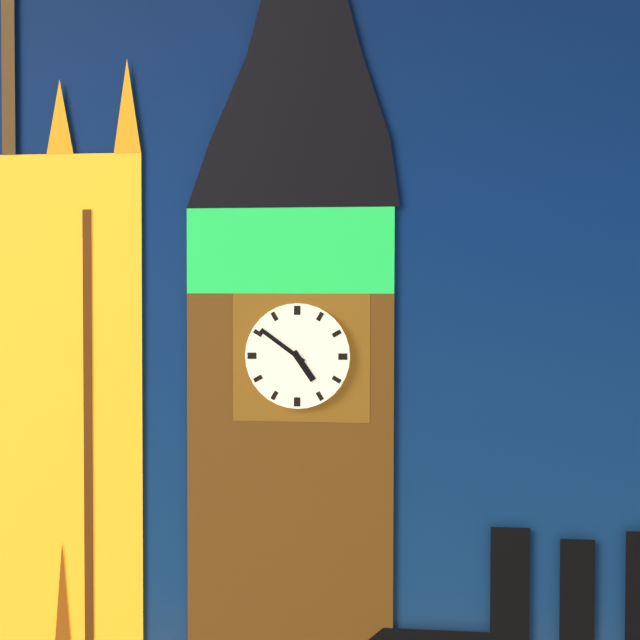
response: 4h51
